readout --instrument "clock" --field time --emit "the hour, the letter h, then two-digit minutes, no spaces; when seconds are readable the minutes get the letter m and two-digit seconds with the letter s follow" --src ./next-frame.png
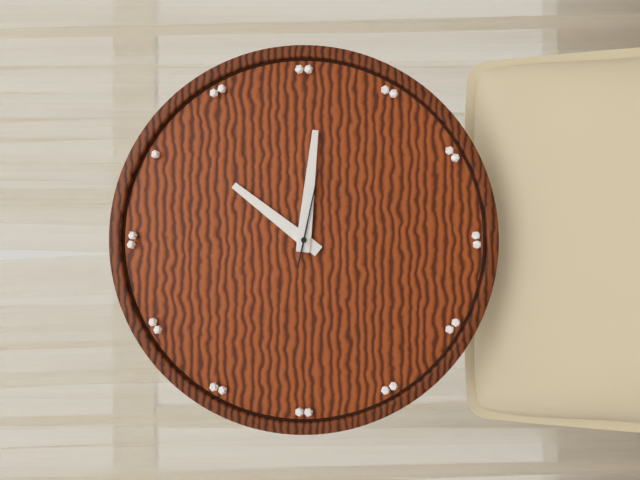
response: 1h16m17s
